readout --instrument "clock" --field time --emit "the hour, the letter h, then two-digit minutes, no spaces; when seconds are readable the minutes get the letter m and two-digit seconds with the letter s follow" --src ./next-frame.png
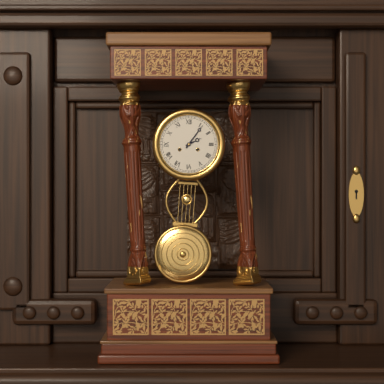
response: 2h06
